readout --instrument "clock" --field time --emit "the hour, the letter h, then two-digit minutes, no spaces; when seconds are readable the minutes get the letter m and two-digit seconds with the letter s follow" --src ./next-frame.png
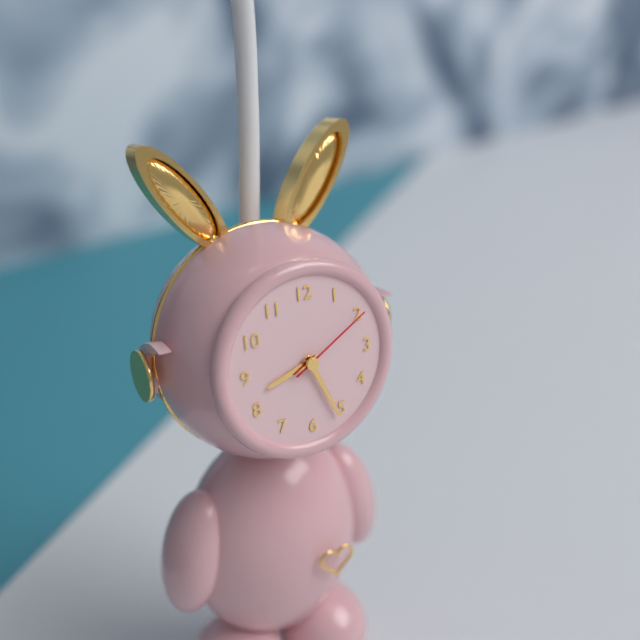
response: 8h26m10s
